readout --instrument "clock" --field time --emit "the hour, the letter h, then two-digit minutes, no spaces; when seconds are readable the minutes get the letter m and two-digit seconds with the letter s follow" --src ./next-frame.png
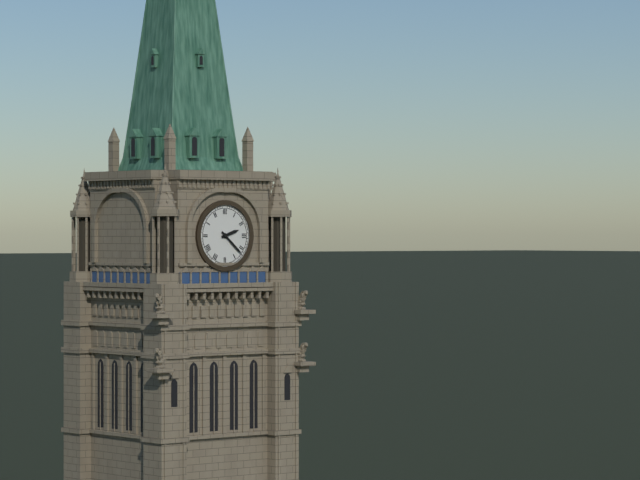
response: 2h22
